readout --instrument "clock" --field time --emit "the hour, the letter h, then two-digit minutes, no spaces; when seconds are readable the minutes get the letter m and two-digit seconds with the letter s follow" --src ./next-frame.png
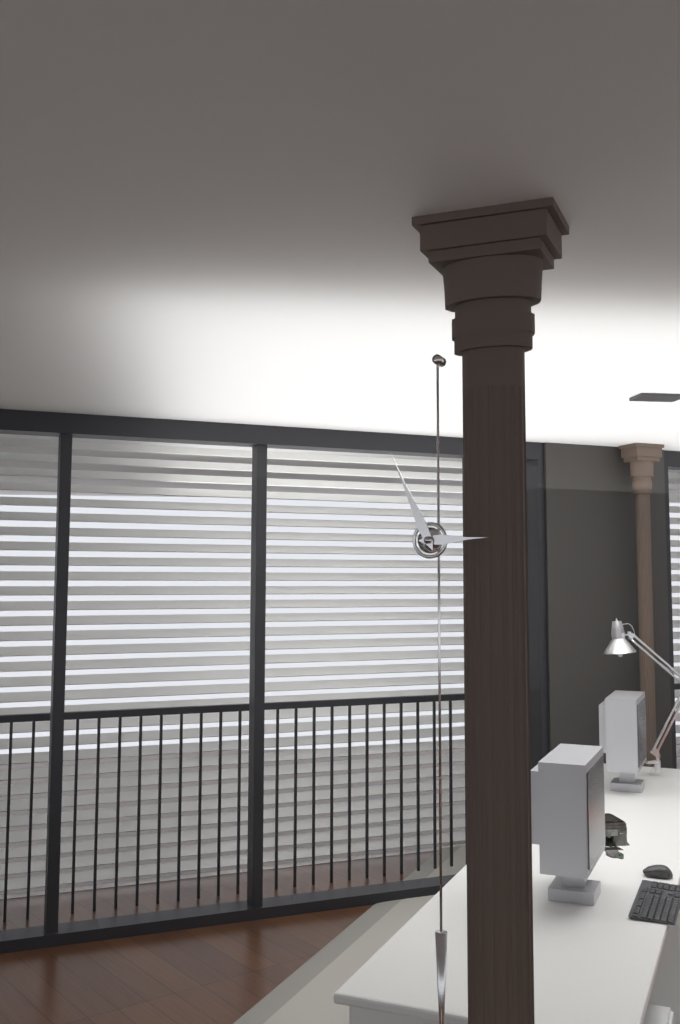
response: 2h56
